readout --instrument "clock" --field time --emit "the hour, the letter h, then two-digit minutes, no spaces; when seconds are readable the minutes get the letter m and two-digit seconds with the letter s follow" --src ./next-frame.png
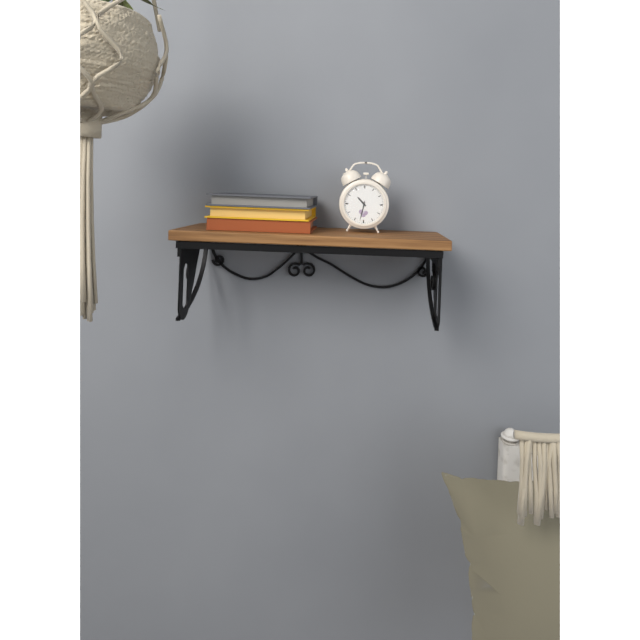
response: 10h32
